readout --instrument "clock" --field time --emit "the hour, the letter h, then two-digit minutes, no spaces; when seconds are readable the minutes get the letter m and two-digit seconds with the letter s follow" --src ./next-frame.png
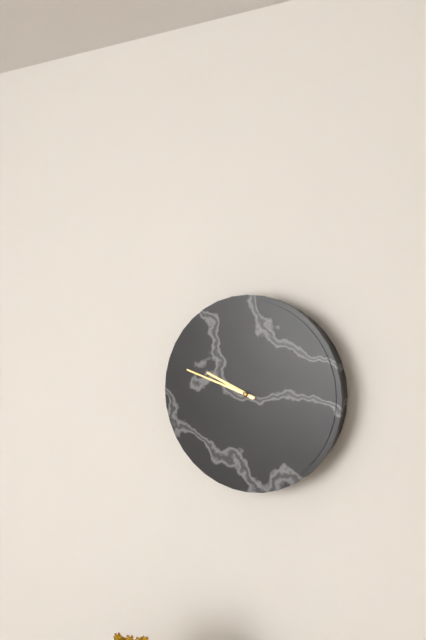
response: 9h48
